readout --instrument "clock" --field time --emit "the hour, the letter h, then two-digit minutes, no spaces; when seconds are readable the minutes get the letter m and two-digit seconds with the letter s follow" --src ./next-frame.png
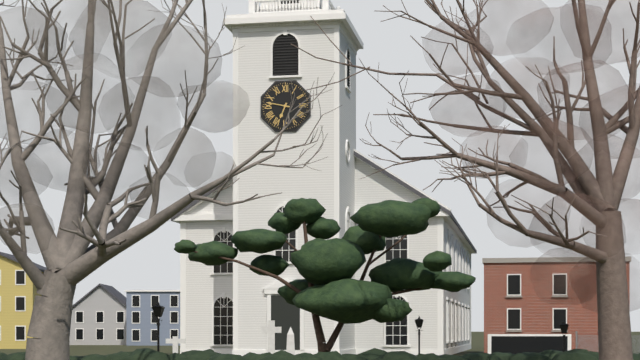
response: 6h47
